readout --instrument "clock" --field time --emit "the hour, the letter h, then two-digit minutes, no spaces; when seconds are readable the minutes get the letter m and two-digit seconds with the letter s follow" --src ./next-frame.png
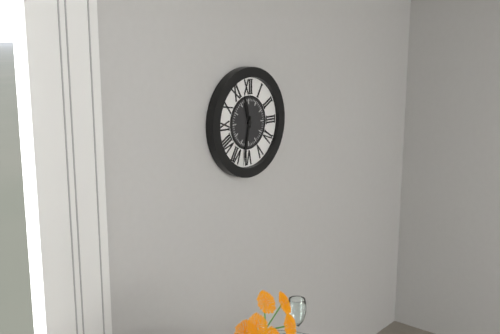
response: 11h32
